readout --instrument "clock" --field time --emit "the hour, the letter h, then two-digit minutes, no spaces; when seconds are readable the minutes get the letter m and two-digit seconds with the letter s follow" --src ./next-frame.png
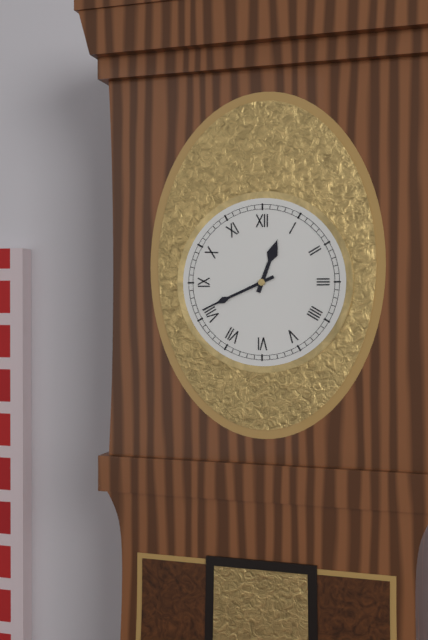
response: 12h41
